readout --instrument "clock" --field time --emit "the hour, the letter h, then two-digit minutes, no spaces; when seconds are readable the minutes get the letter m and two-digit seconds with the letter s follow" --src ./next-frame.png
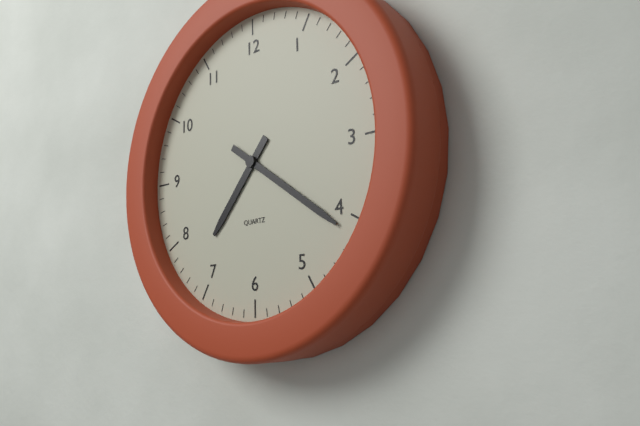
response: 7h21
